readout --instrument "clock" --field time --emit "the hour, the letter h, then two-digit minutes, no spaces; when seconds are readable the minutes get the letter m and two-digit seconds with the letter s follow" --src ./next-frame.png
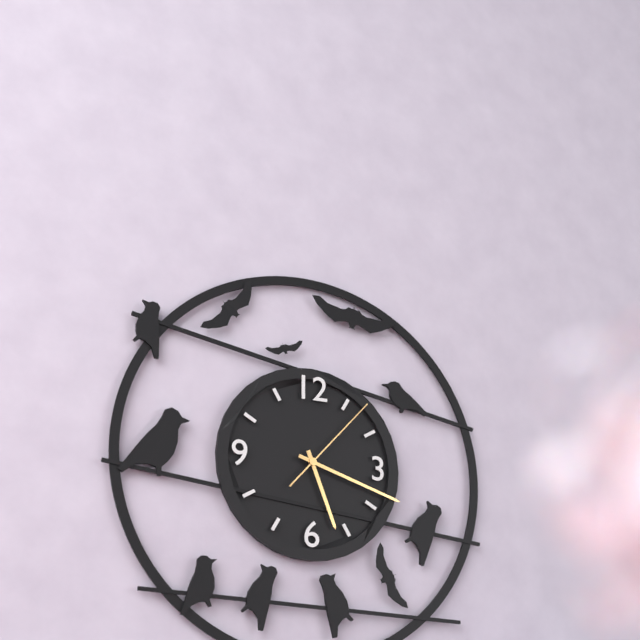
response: 5h18m07s
